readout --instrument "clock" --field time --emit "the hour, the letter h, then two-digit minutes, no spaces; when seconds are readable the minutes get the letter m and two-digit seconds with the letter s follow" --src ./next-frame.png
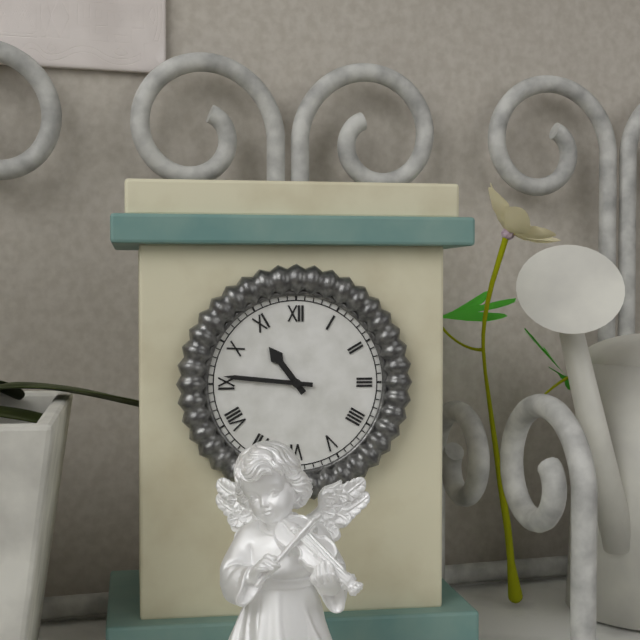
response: 10h46
